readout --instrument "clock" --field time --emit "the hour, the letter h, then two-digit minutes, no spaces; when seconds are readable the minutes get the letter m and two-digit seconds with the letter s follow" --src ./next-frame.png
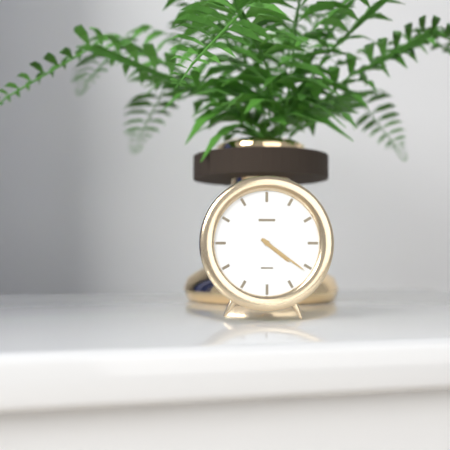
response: 4h21
